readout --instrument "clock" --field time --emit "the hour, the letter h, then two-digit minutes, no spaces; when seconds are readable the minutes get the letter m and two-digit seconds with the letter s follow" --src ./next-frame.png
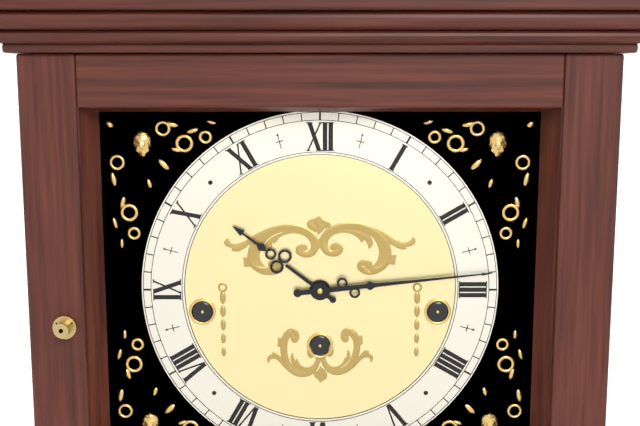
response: 10h14
